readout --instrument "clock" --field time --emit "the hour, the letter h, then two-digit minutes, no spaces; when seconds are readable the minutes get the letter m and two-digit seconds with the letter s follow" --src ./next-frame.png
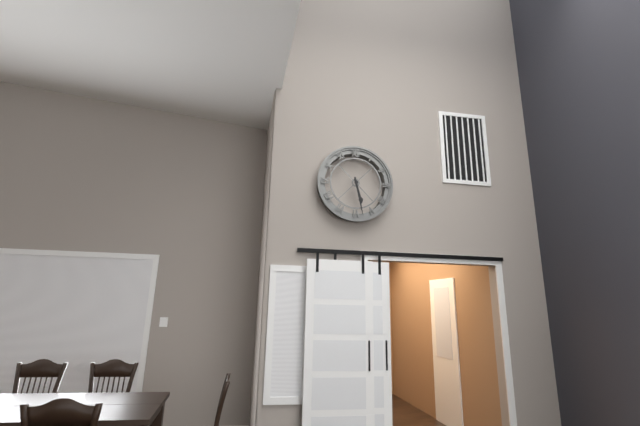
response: 5h28
